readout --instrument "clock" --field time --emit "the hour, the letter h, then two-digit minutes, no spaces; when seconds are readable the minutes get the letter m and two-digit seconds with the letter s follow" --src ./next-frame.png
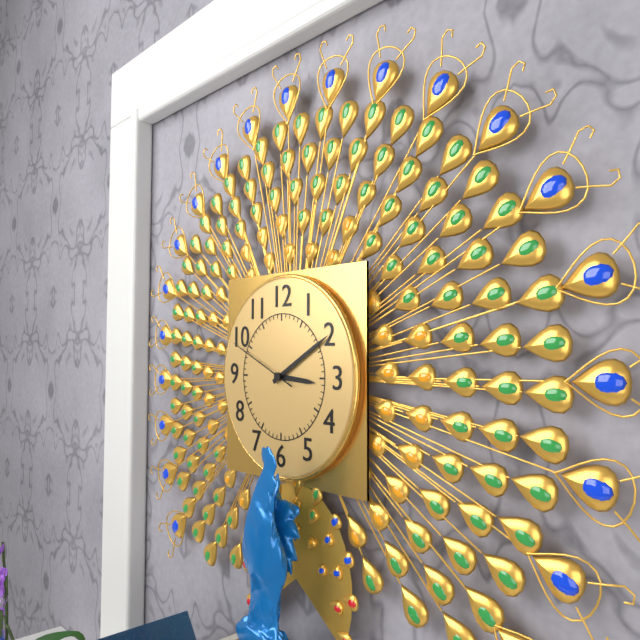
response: 3h10m49s
